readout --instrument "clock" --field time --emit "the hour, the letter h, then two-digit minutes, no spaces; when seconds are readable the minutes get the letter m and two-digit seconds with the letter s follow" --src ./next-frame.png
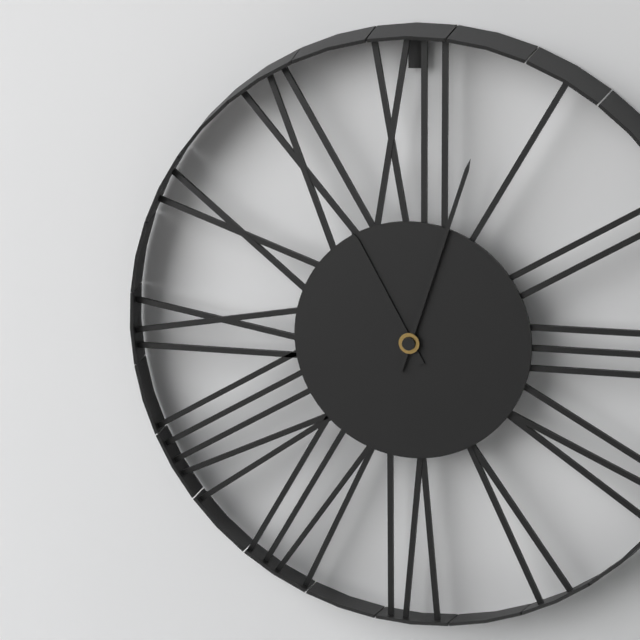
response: 11h03
